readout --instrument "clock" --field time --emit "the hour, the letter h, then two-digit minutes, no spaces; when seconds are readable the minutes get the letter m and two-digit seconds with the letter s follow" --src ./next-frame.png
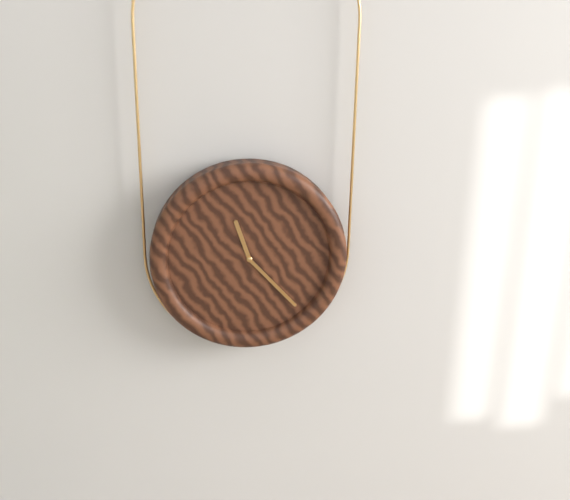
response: 11h23
